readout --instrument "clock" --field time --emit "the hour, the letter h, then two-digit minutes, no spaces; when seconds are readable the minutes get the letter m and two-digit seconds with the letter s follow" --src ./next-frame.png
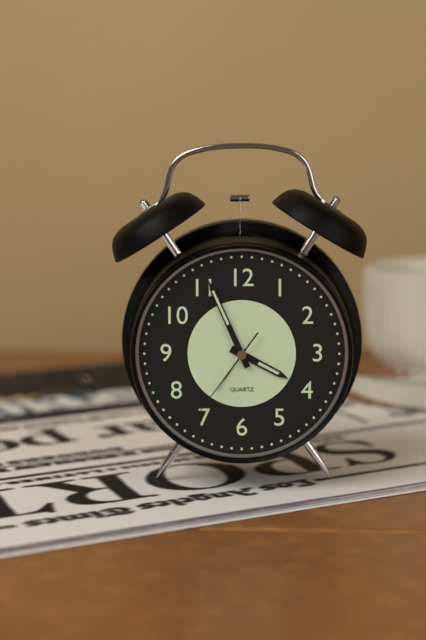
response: 3h56m36s
